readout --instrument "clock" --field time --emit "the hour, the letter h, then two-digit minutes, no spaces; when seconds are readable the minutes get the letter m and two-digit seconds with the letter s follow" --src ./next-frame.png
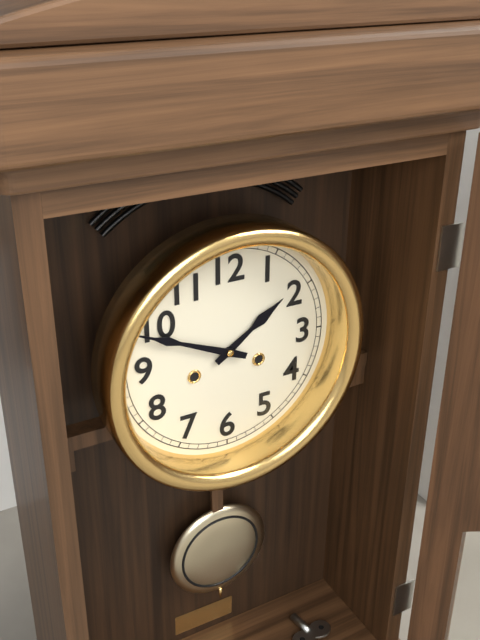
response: 1h49
